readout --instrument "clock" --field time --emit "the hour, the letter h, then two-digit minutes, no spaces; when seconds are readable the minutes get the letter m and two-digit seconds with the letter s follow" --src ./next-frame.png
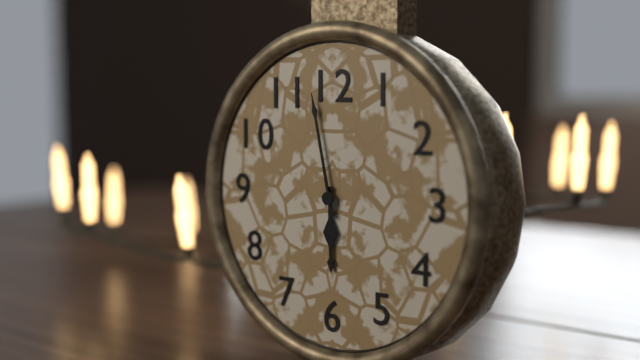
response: 5h58
